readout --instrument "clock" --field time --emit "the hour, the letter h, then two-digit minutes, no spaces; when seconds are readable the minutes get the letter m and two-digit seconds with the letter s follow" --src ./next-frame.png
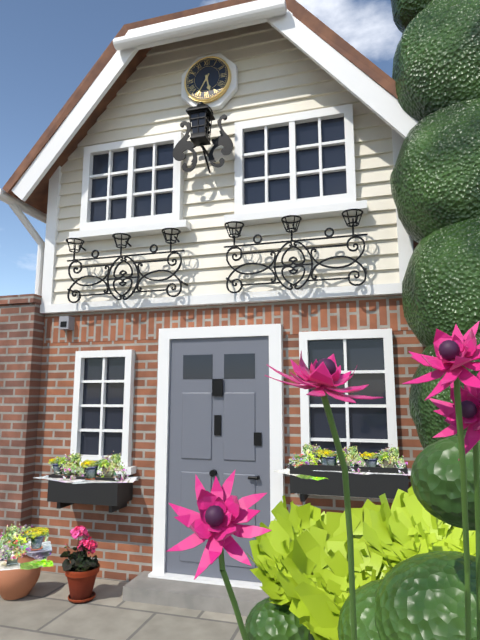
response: 5h35
